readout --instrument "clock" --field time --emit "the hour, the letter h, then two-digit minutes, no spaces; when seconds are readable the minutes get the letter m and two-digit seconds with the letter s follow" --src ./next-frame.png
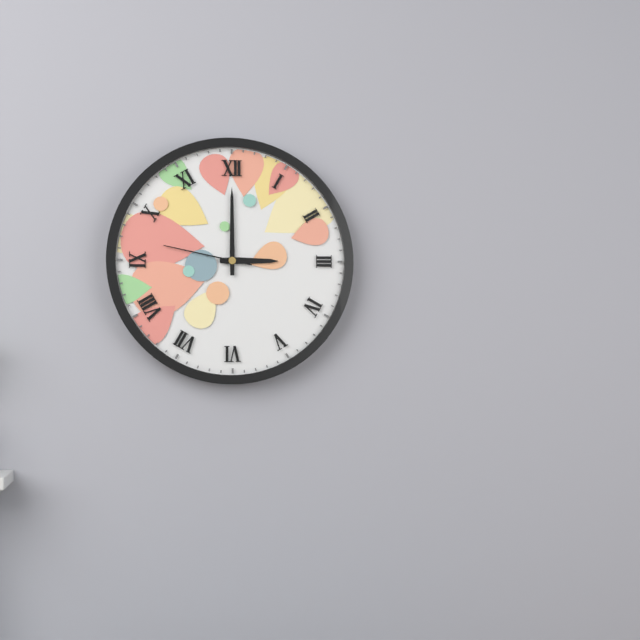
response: 3h00m47s
